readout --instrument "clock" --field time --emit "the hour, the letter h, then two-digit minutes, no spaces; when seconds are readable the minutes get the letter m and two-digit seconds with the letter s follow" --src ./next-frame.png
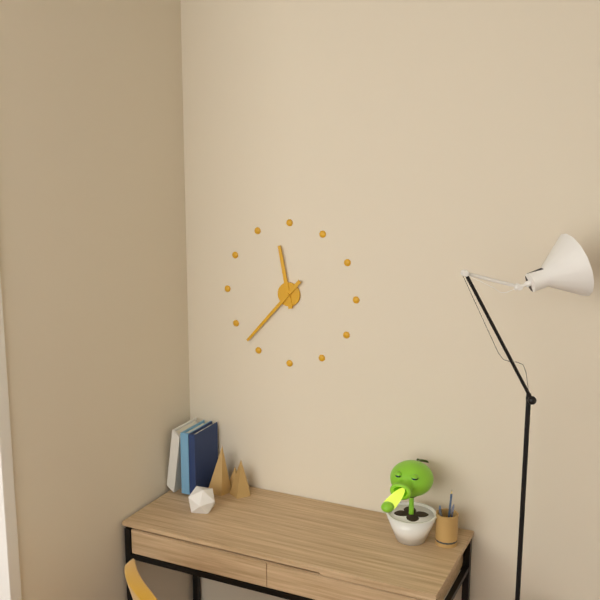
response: 11h37
